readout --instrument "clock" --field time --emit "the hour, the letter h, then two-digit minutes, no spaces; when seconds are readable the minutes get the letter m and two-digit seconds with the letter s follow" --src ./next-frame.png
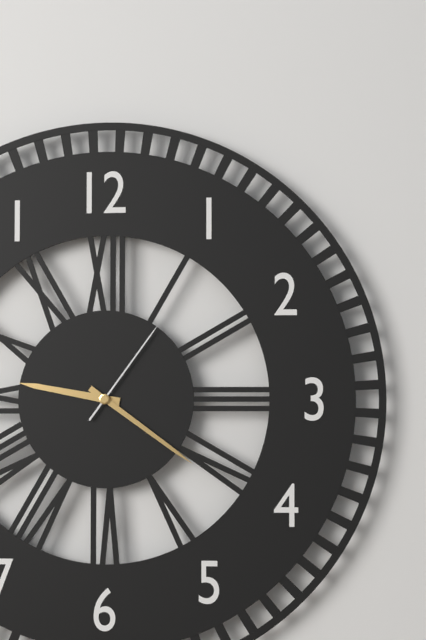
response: 9h21m06s
